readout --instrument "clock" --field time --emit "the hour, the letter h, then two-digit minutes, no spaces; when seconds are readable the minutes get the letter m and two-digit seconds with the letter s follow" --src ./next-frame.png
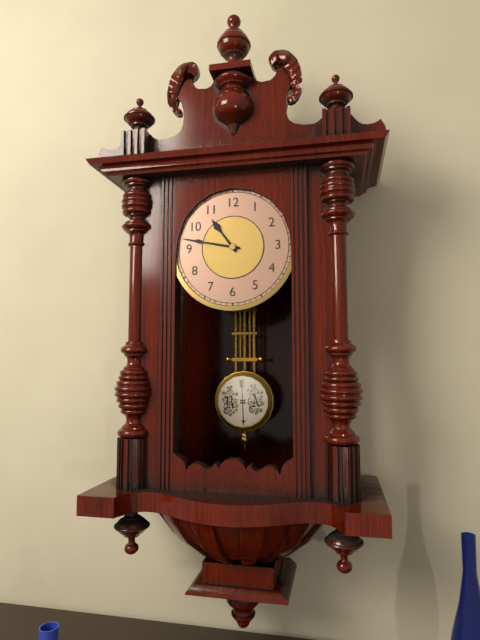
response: 10h47
